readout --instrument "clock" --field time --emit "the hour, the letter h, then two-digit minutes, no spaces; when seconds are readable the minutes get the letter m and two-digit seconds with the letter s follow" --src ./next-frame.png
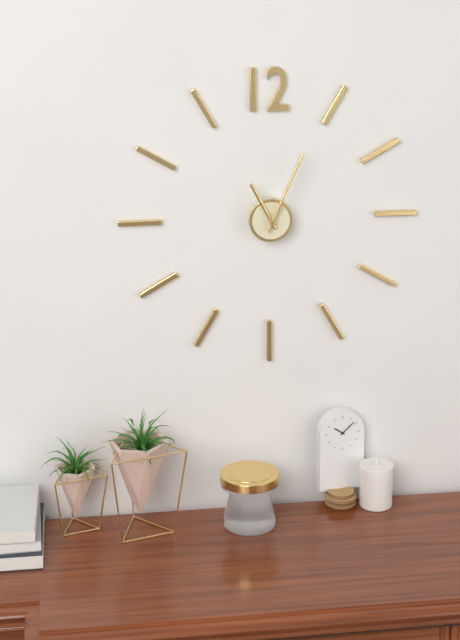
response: 11h04
